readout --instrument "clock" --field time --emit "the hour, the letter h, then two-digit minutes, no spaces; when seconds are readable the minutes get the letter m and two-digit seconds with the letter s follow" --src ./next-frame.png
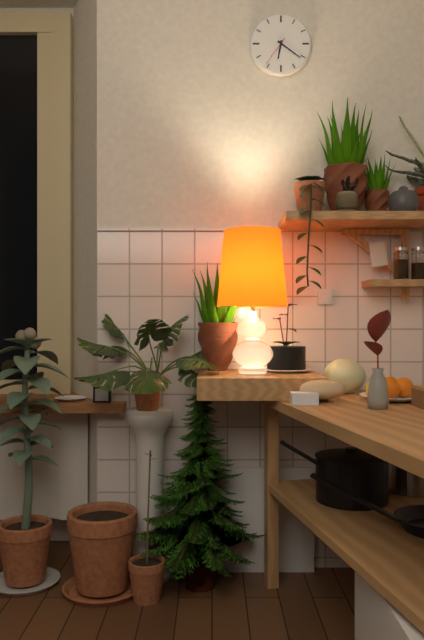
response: 6h21
